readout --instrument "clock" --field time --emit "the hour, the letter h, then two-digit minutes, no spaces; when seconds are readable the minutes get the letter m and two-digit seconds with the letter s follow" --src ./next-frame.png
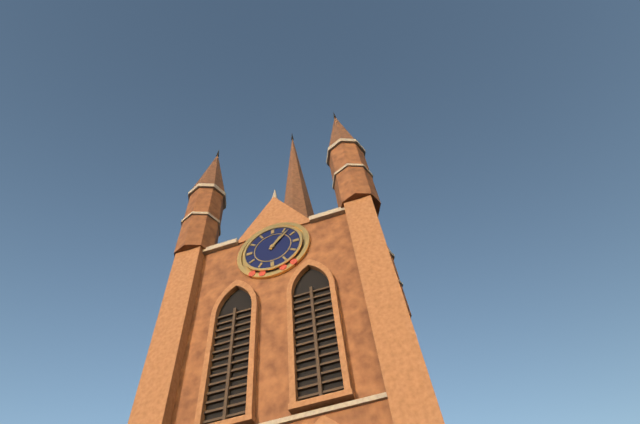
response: 1h07
